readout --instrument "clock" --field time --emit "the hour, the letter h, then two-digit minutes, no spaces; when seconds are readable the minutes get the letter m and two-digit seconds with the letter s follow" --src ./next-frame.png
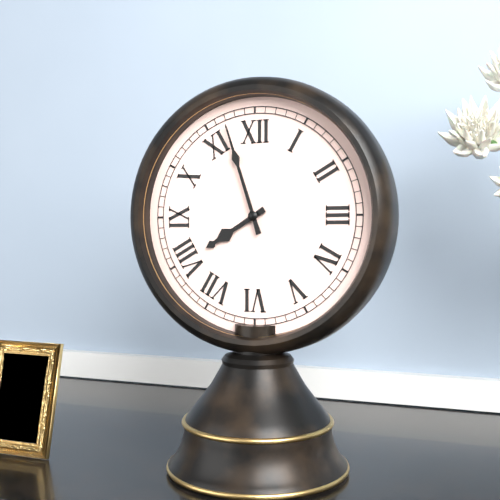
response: 7h57
